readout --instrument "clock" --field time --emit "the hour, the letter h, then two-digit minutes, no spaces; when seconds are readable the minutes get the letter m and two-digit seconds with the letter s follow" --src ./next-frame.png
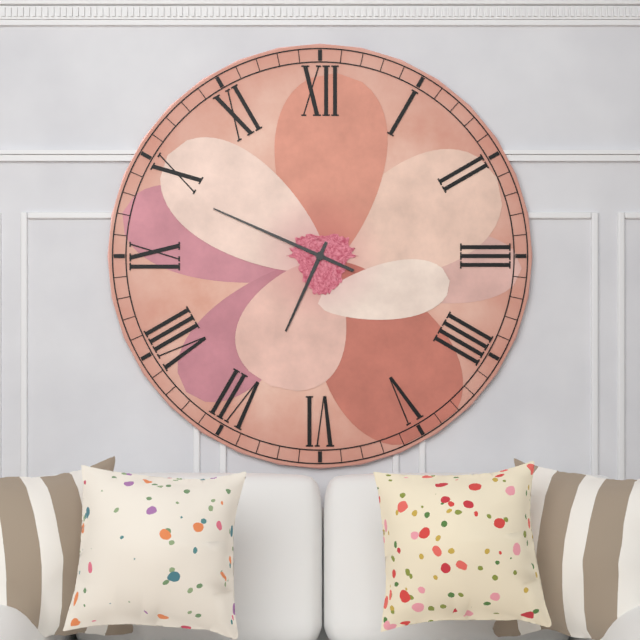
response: 6h49
